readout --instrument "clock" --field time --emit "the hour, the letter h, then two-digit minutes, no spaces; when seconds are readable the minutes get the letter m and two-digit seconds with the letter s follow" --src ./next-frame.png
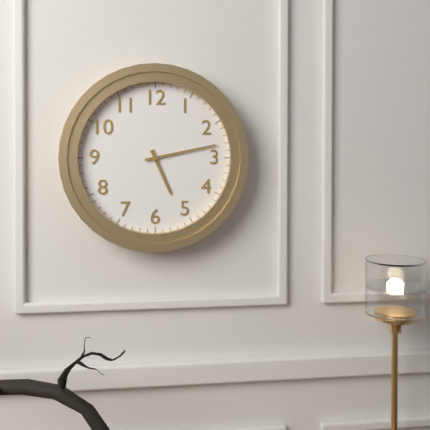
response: 5h13
